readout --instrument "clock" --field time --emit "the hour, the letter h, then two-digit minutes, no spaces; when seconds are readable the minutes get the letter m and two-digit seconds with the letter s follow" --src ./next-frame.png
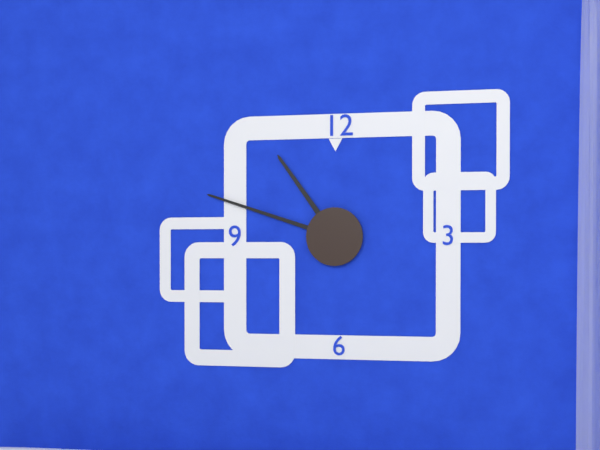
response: 10h48
